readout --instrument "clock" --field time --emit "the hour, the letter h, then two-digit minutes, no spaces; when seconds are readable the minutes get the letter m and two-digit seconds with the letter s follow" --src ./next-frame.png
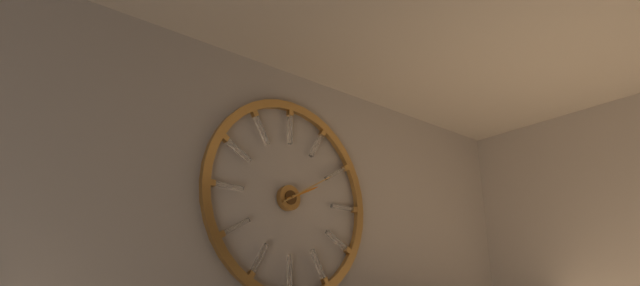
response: 2h10
